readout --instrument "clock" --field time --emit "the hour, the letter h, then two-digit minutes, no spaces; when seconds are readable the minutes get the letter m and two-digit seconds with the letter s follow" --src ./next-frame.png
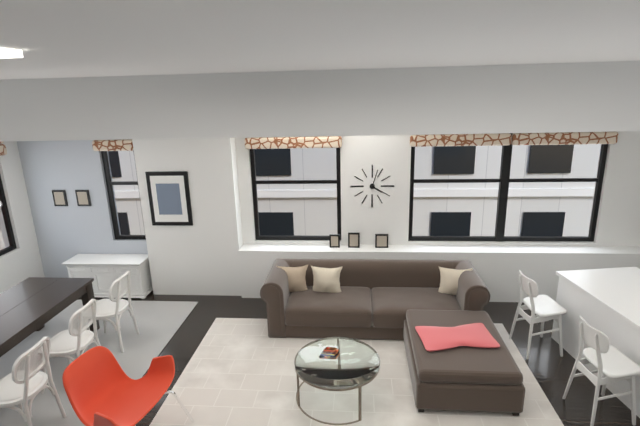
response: 4h03
